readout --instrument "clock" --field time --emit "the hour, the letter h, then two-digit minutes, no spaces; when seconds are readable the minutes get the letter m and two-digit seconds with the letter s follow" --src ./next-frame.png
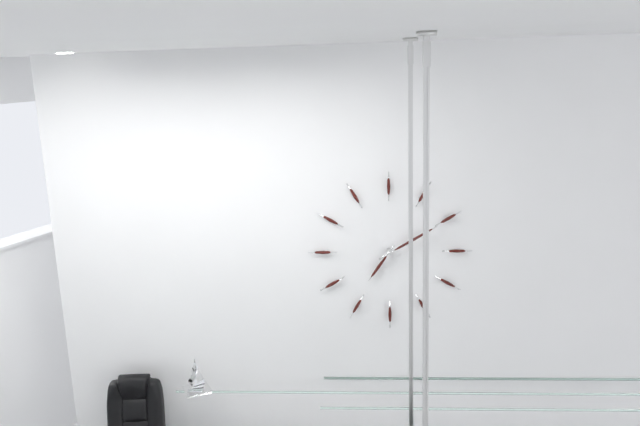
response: 7h10
